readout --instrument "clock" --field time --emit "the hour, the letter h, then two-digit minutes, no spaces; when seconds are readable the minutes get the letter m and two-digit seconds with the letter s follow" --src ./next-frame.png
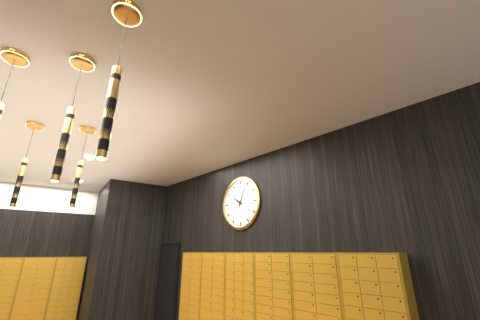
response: 10h04
